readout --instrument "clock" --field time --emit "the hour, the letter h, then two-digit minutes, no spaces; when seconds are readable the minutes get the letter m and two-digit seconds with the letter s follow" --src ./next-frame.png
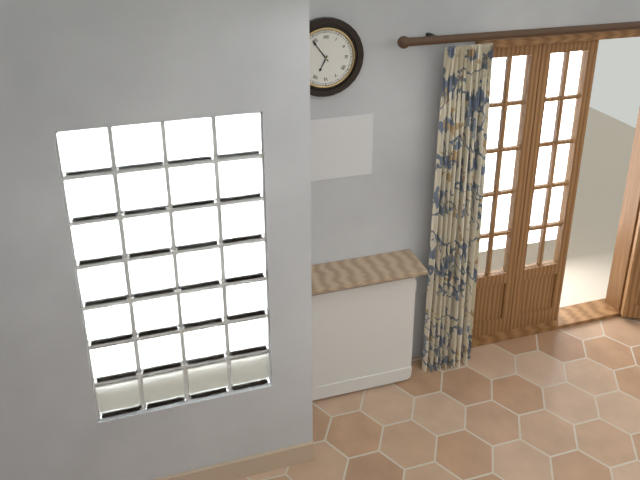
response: 6h54
